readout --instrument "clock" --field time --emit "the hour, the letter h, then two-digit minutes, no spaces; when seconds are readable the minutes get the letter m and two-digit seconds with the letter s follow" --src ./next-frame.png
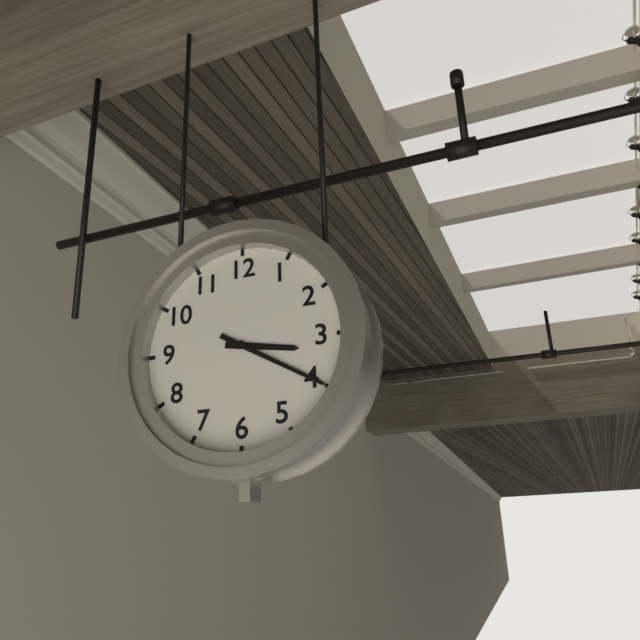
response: 3h20
